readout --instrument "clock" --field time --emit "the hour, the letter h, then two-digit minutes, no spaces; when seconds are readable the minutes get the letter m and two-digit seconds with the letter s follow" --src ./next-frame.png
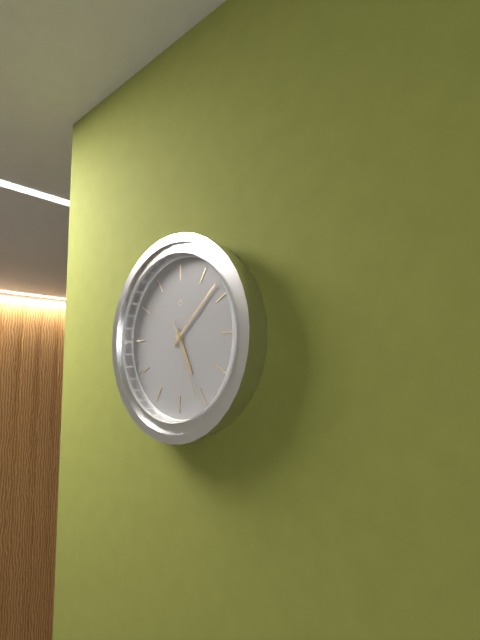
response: 5h08m26s
